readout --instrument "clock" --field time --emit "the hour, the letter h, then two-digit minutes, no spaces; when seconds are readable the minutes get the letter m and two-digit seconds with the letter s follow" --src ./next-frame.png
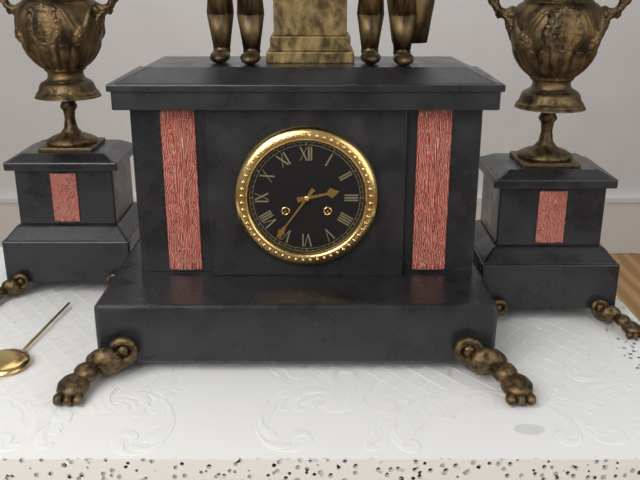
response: 2h36
